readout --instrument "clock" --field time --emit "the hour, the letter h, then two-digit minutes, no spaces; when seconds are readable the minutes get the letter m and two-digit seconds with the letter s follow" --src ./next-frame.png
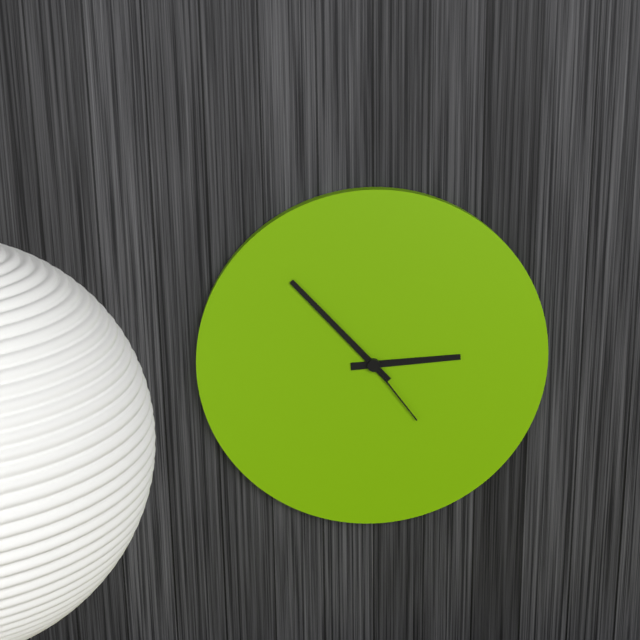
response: 2h53m24s
